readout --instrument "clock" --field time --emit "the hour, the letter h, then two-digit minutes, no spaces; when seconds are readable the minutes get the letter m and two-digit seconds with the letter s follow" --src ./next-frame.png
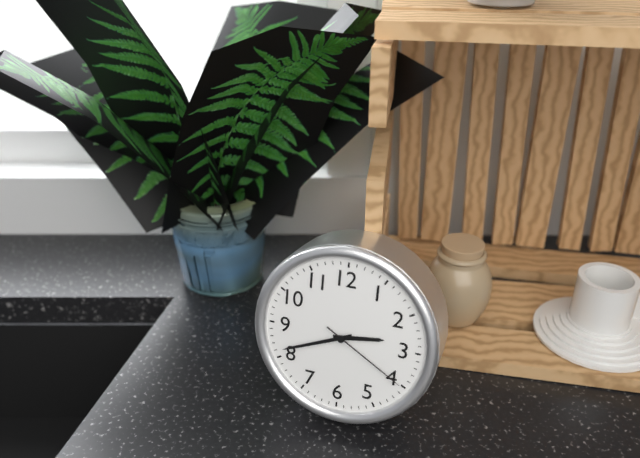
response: 2h41m20s
